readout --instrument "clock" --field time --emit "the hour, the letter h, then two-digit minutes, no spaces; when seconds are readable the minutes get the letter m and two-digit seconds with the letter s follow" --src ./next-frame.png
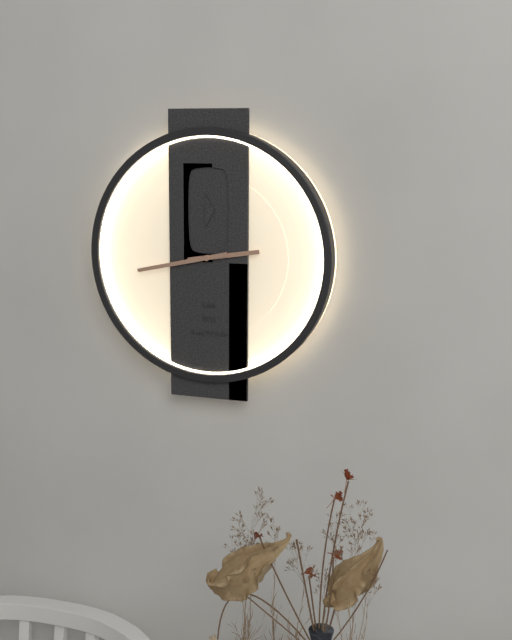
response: 2h43
